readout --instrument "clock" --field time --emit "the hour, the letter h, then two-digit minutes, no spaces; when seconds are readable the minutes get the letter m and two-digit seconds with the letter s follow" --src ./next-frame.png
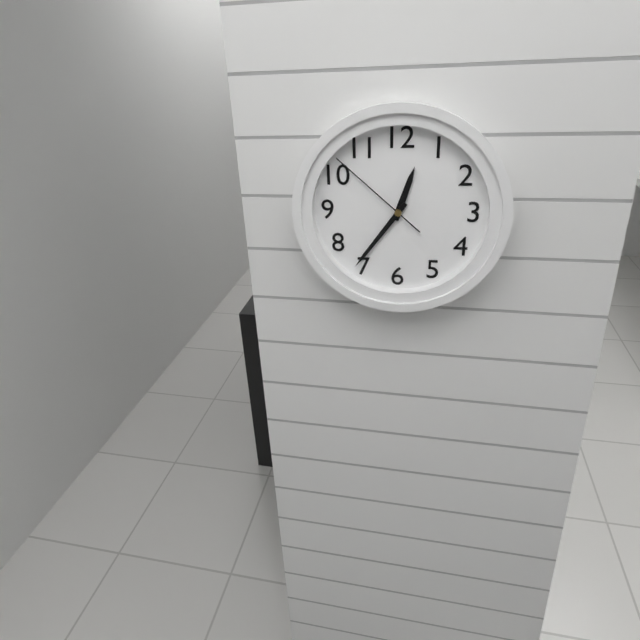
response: 12h36m52s
